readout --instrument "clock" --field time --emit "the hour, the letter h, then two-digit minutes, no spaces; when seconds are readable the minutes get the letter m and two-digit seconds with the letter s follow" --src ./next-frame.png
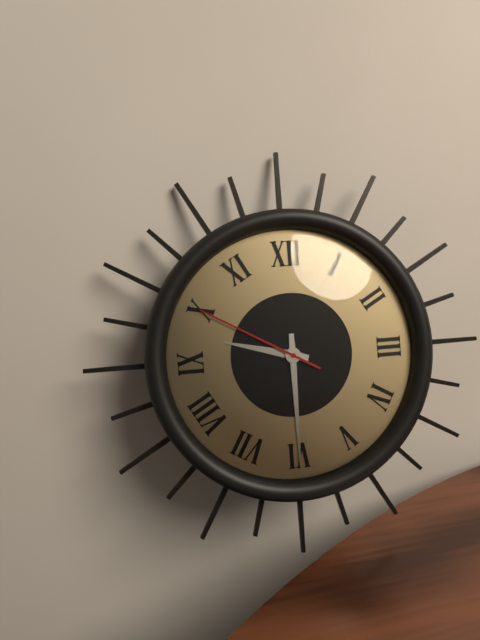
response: 9h30m50s
